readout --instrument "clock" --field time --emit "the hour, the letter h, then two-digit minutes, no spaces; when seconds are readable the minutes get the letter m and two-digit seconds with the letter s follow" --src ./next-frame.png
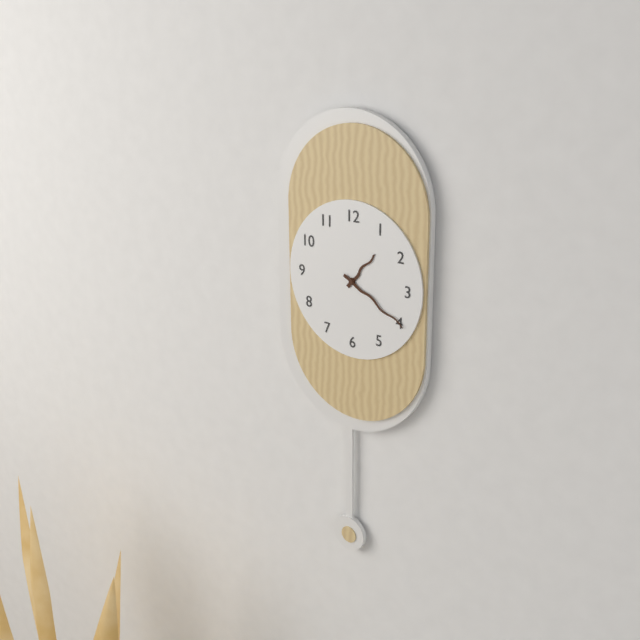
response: 1h20
